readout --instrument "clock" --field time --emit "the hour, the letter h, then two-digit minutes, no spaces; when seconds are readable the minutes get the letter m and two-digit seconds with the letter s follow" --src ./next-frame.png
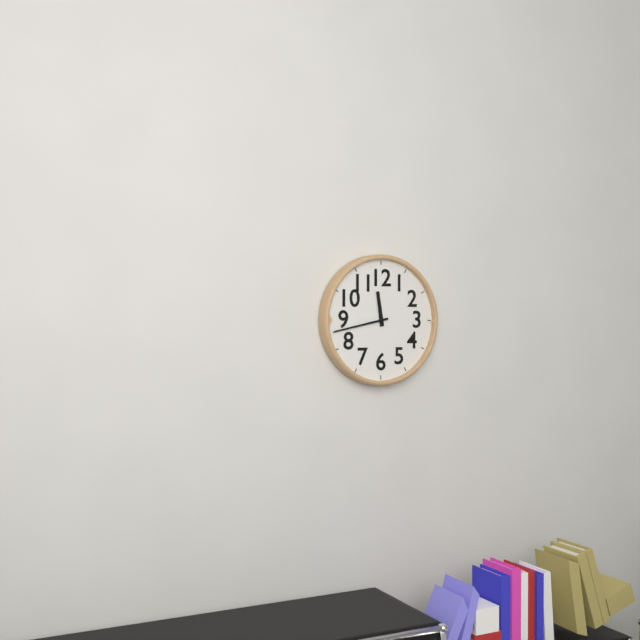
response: 11h43
